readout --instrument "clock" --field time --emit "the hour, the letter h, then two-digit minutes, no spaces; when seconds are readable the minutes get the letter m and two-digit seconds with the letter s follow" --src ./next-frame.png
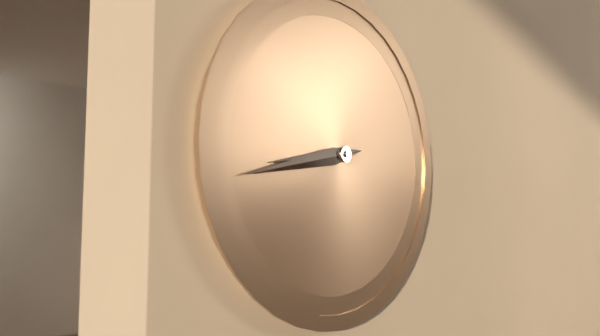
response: 8h43
